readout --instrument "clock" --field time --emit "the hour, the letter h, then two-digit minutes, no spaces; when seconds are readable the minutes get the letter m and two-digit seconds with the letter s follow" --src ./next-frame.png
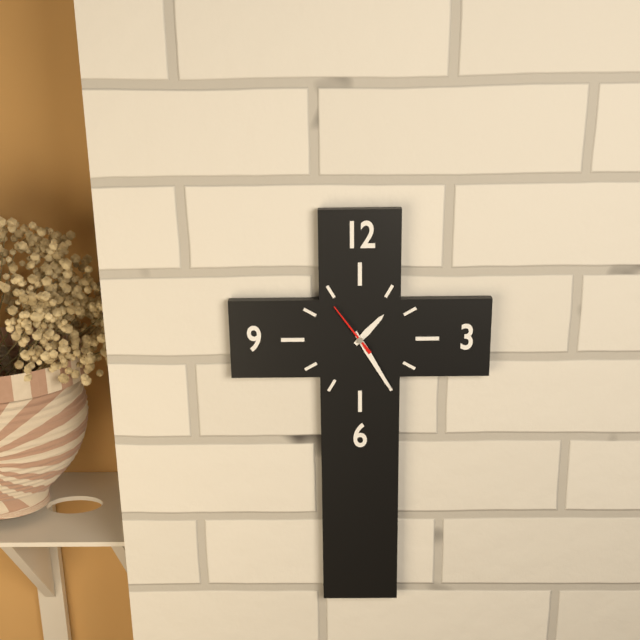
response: 1h25m54s
